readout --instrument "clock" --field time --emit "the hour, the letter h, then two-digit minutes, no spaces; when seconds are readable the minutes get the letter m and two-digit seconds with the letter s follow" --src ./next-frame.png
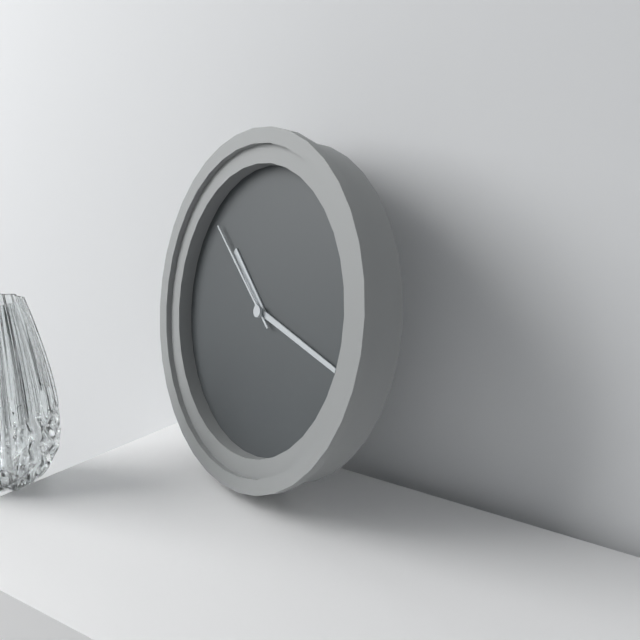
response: 10h17m51s
